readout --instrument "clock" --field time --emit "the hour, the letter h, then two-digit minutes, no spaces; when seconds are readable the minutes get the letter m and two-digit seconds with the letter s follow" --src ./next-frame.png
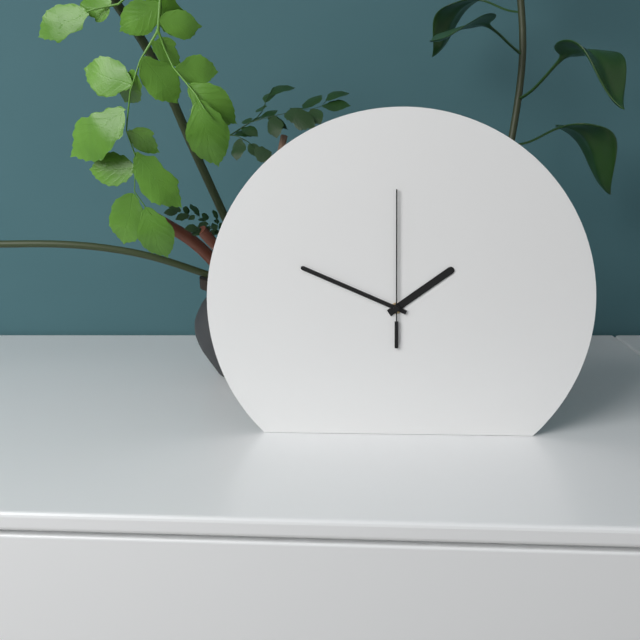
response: 1h49m00s
